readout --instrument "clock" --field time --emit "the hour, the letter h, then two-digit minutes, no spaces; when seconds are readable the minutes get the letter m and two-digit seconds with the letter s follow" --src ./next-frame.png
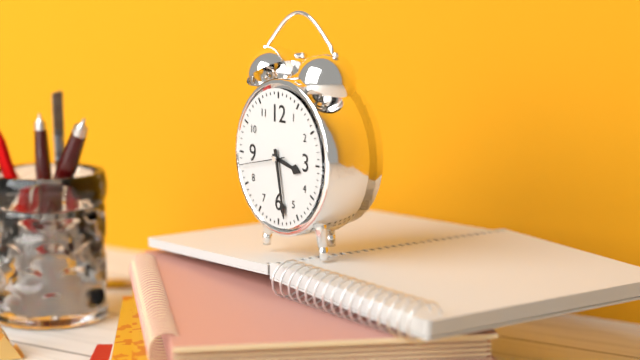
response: 3h28
